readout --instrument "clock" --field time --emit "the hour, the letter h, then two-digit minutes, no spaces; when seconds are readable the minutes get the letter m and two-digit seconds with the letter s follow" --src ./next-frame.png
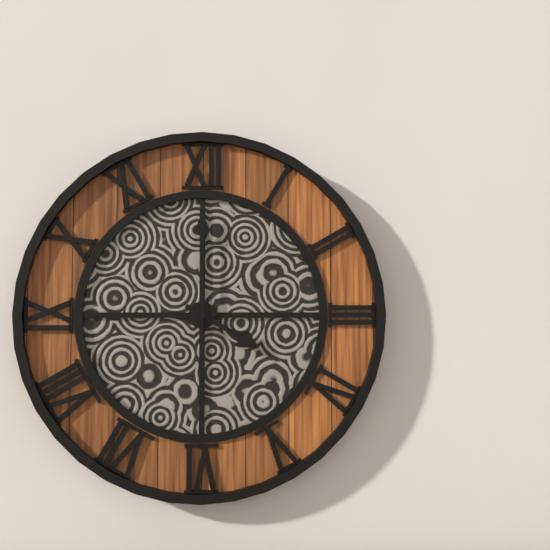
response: 4h00
